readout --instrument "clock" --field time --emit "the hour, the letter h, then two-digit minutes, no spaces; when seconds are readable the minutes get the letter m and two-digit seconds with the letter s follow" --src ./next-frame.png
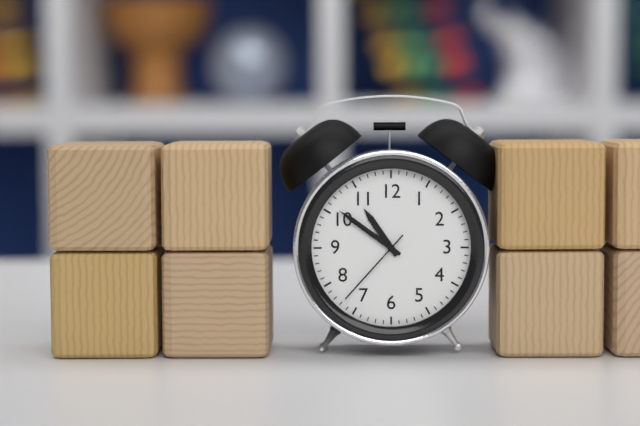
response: 10h51m37s
